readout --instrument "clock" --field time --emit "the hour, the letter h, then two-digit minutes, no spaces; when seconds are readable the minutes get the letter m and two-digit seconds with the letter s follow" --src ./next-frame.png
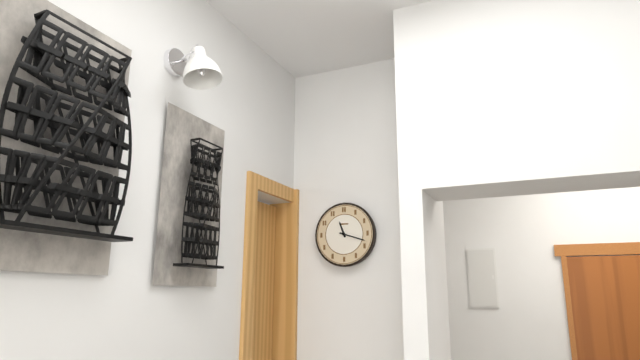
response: 11h18
